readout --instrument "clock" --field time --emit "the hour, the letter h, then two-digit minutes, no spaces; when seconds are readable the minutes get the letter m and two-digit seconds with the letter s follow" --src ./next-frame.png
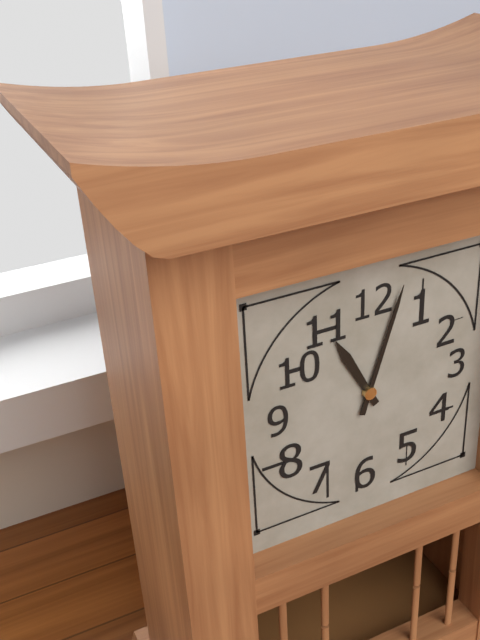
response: 11h03
